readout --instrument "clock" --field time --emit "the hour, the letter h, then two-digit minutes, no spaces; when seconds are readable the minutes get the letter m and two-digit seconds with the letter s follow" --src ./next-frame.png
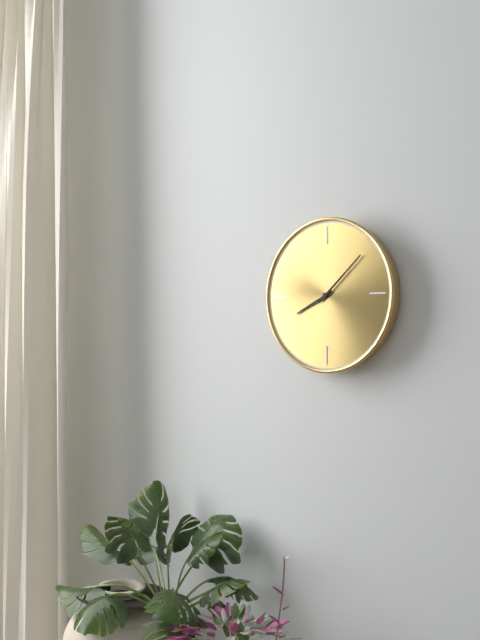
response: 8h08
